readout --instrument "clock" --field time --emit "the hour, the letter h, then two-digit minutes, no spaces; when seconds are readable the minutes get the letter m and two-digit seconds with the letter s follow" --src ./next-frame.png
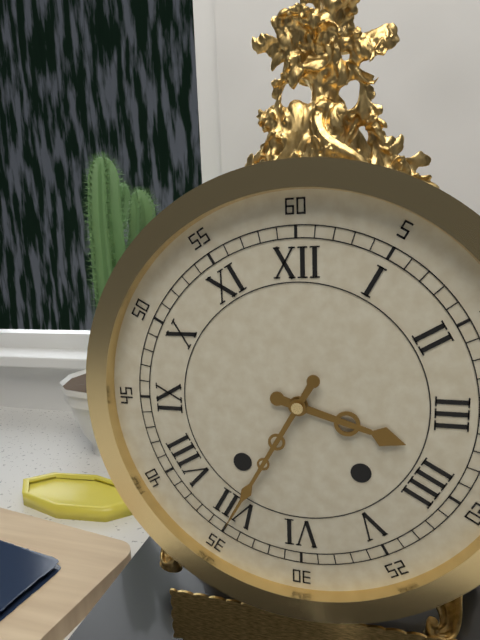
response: 3h35
